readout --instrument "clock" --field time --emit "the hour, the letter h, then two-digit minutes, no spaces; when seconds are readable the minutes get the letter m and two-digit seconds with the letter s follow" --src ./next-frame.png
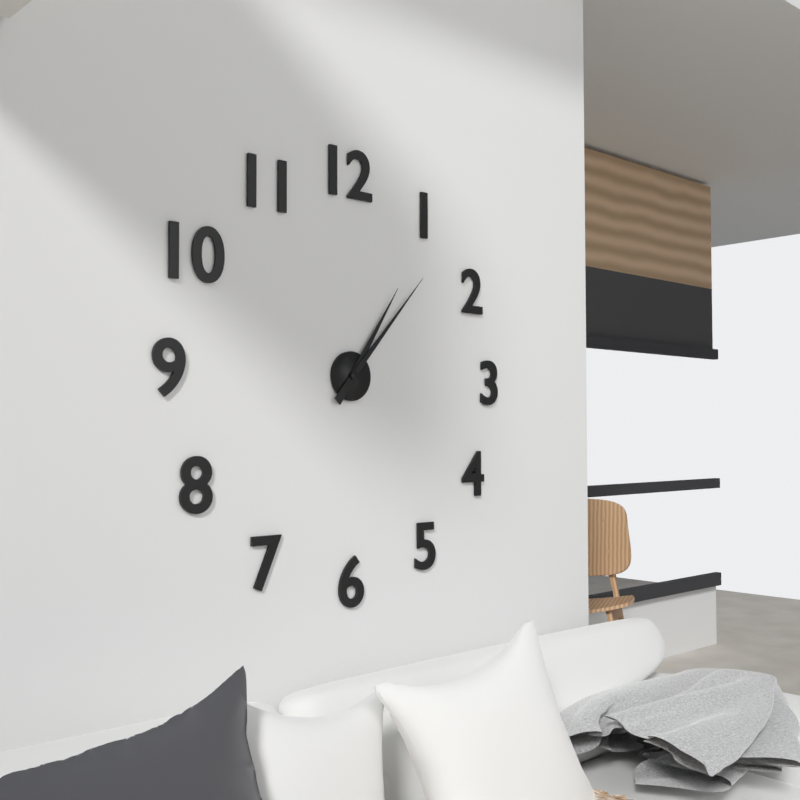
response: 1h07
